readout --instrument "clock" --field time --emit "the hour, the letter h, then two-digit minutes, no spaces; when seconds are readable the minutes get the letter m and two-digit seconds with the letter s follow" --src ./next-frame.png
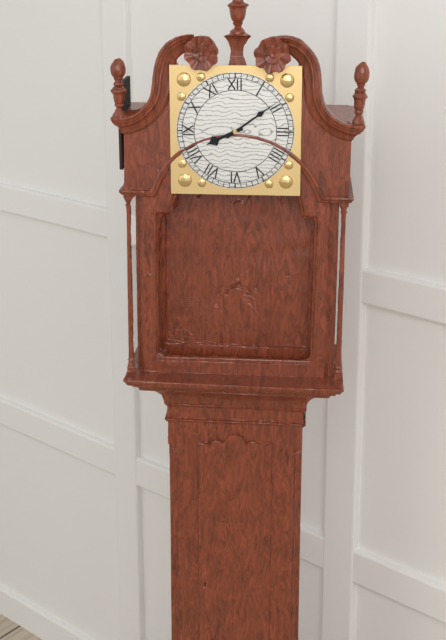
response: 8h09
